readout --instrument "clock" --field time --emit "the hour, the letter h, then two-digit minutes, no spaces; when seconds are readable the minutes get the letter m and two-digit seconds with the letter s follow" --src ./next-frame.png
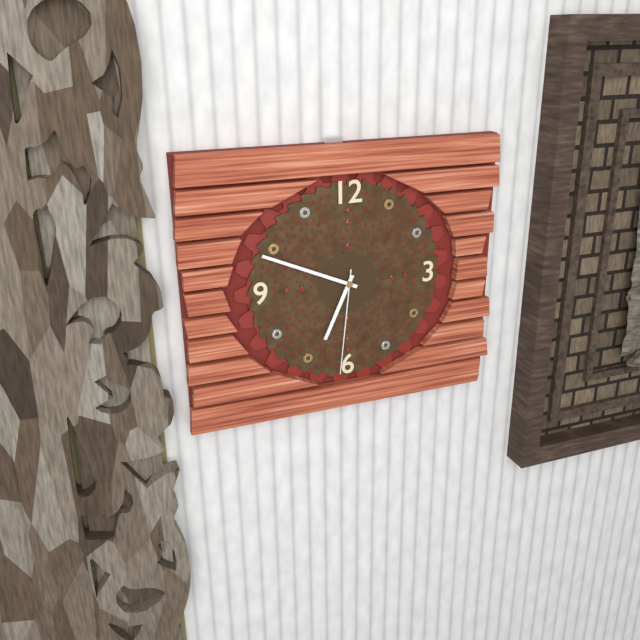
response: 6h49m31s
